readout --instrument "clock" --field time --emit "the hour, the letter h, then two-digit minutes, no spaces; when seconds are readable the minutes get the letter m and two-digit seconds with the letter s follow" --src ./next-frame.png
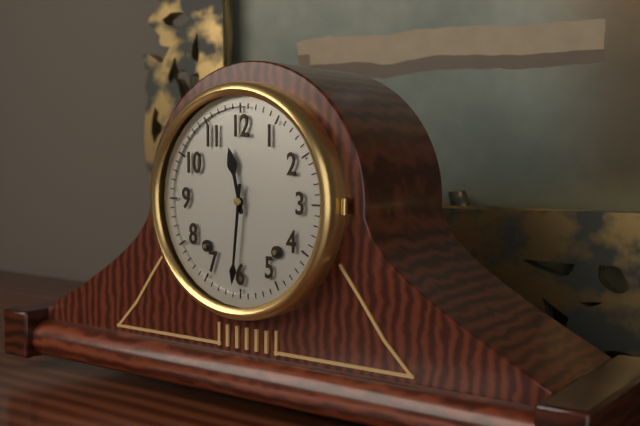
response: 11h31
